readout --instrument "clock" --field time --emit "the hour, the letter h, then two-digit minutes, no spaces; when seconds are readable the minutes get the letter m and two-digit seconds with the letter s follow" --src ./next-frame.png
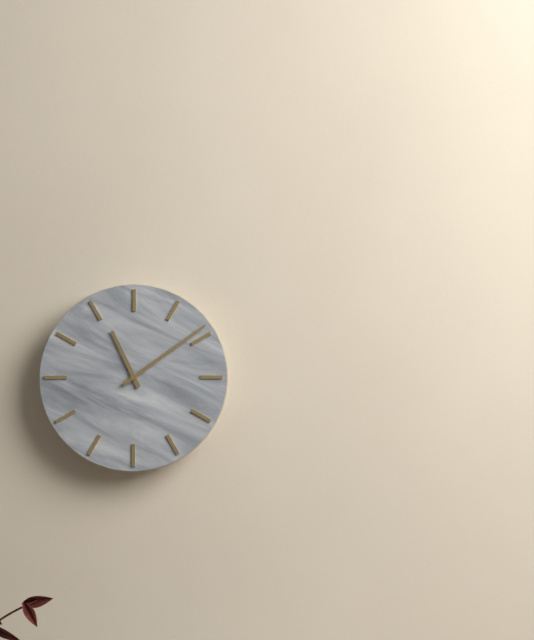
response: 11h09
